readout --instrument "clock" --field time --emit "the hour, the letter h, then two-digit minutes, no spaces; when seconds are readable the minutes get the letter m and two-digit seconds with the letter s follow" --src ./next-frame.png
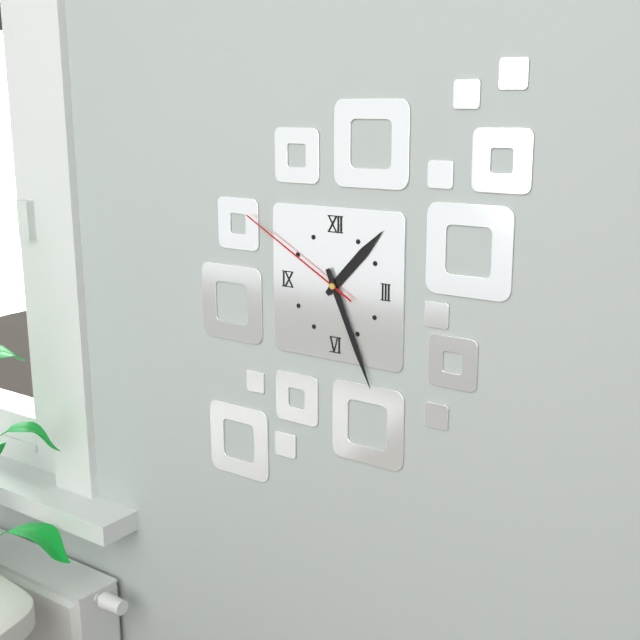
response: 1h26m50s
